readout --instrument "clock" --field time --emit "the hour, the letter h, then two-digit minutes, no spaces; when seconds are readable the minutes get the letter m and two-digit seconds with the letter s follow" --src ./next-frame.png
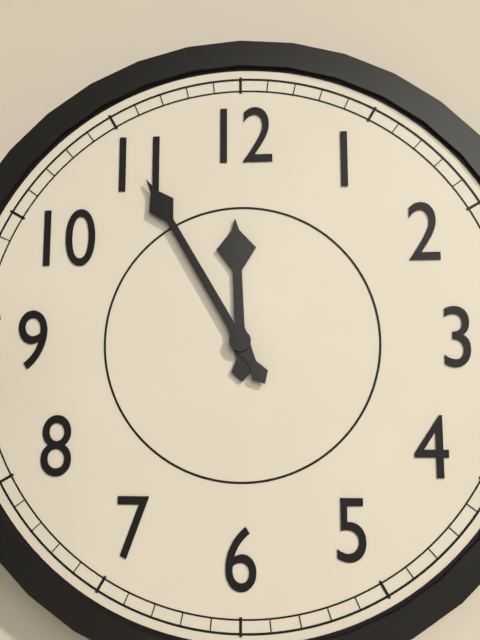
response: 11h55
